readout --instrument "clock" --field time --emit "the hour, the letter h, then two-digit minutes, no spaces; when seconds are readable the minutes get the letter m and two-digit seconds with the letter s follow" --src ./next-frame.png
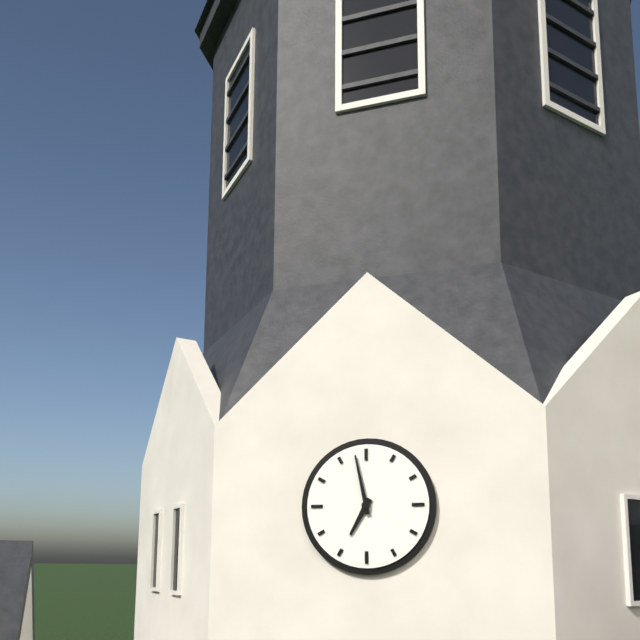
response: 6h58
